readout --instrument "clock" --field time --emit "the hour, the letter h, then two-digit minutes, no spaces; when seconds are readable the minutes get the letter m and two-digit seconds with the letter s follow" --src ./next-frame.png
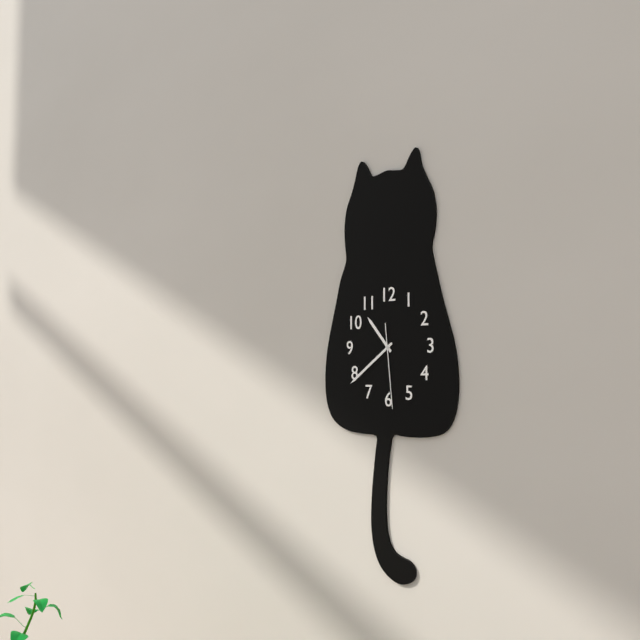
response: 10h39m29s
